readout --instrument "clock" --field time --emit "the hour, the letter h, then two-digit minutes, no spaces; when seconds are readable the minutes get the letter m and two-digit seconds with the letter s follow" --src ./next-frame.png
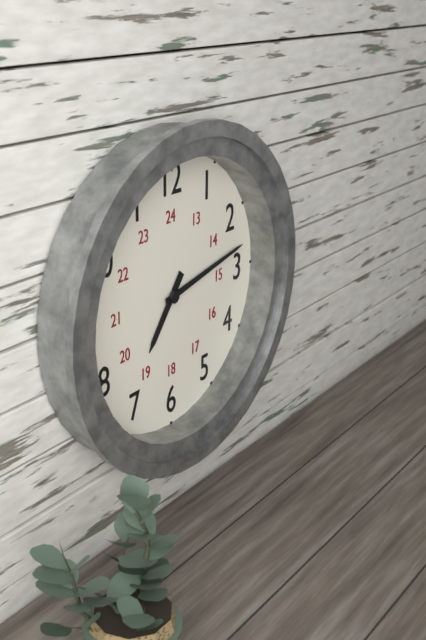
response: 7h13
